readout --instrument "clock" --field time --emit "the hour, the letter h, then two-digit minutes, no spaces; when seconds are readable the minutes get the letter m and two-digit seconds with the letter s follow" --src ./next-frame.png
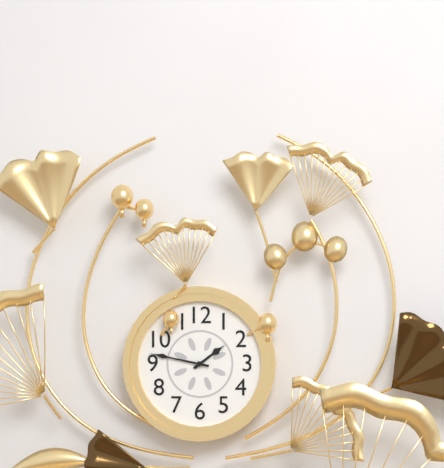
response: 1h47
